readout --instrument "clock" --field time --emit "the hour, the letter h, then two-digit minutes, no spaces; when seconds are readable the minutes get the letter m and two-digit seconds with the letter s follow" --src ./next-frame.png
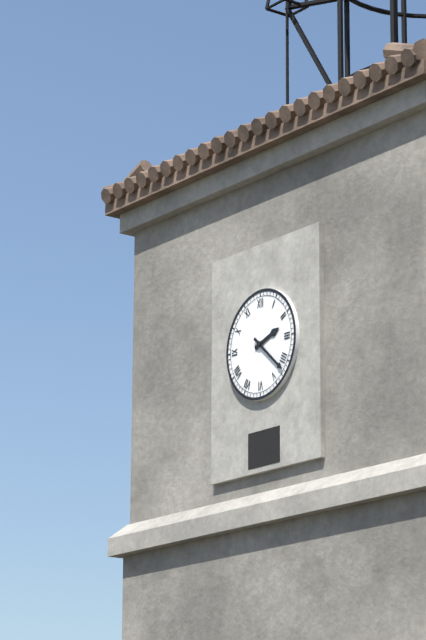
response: 2h22
